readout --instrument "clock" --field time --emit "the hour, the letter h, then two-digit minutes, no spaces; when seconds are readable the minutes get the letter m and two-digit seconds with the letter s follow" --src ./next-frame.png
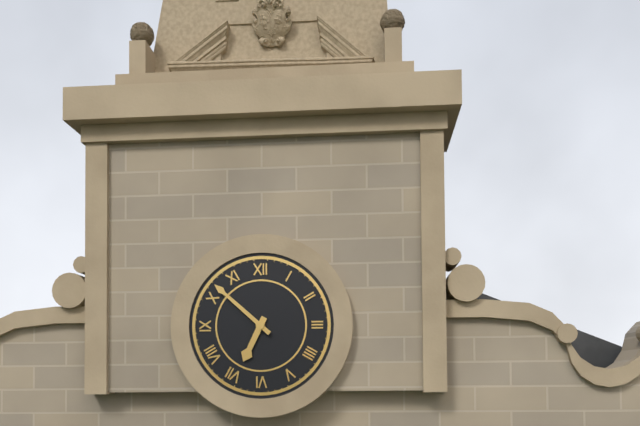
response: 6h52
